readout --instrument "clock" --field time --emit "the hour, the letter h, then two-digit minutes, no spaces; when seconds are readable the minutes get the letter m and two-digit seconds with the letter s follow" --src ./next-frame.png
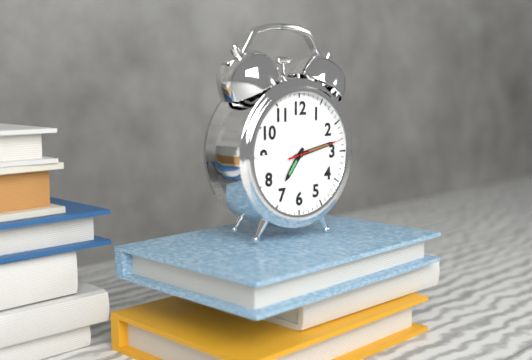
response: 7h13m13s
